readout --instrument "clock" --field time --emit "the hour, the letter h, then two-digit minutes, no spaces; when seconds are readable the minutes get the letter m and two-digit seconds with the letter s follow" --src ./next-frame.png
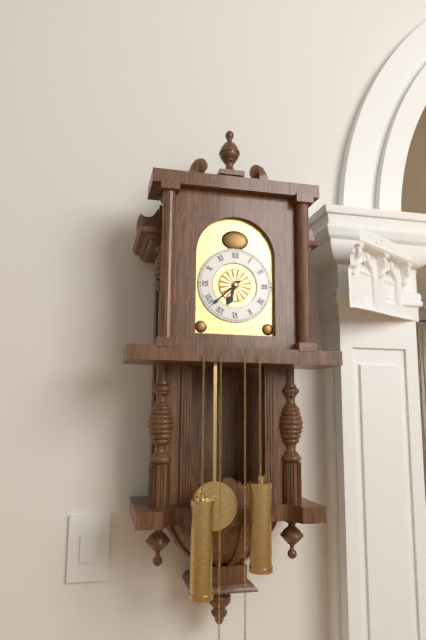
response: 6h38
